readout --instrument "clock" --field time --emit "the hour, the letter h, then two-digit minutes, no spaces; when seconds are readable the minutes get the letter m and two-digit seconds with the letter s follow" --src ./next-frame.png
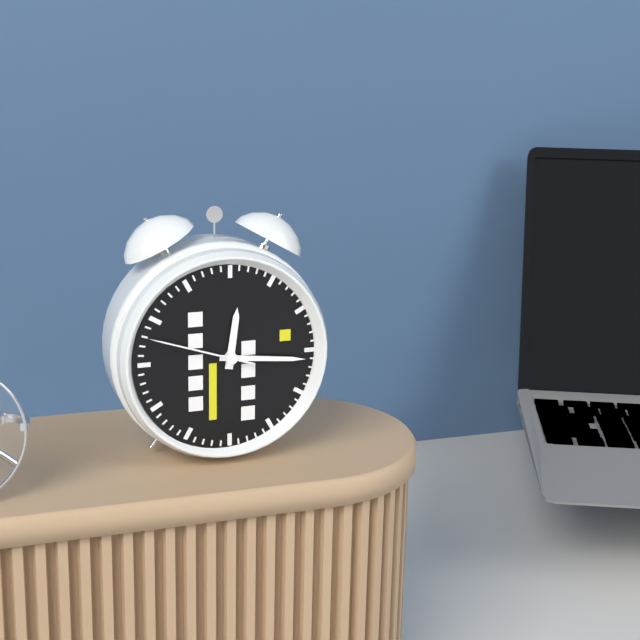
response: 12h16m48s
